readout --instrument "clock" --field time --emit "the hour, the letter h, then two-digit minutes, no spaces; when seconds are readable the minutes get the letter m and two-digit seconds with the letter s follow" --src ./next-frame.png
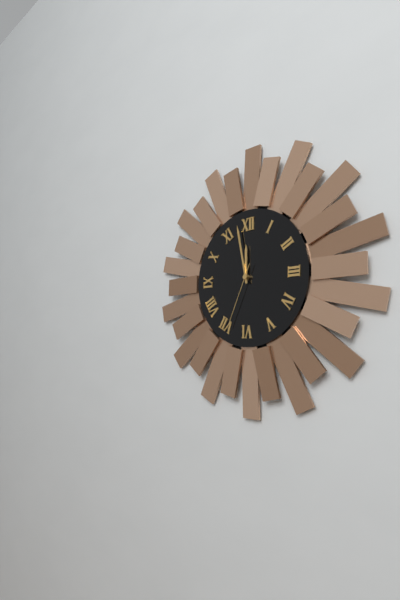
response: 11h58m34s
